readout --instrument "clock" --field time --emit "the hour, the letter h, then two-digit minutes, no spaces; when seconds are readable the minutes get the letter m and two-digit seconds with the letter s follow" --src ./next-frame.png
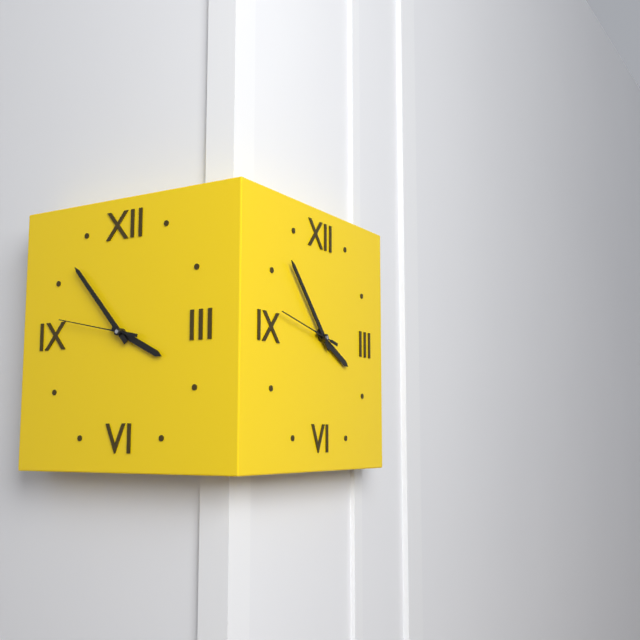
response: 3h53m47s
